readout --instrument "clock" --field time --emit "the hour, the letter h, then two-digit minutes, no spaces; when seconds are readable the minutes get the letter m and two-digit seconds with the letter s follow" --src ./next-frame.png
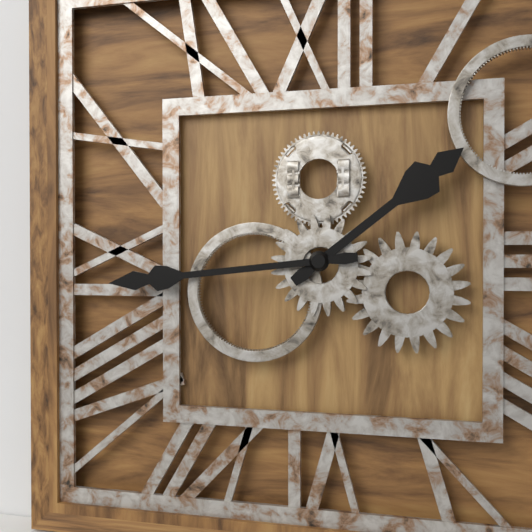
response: 1h44
